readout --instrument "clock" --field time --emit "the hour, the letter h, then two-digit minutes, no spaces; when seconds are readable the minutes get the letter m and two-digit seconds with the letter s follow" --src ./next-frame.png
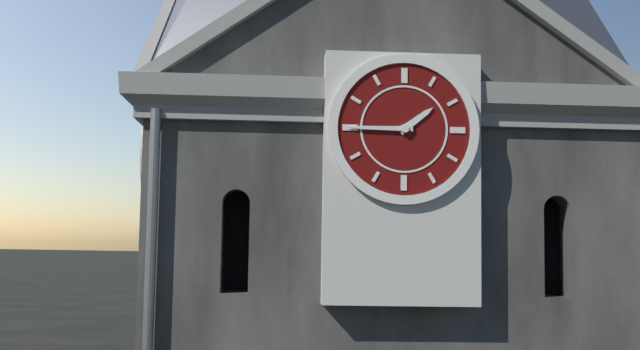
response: 1h45
